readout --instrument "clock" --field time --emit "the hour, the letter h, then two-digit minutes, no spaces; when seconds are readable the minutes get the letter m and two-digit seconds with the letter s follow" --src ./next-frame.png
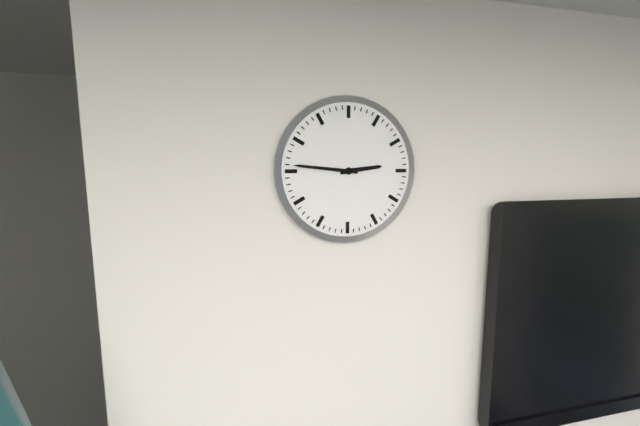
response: 2h46
